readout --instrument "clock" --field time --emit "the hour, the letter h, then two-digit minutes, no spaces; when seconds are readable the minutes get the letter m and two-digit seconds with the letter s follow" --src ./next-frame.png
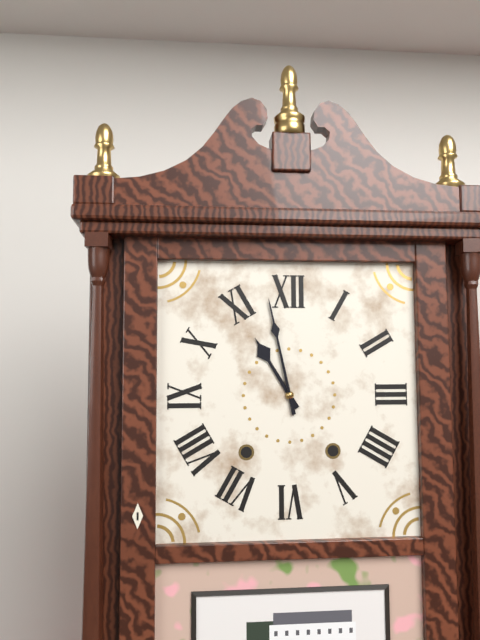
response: 10h58
